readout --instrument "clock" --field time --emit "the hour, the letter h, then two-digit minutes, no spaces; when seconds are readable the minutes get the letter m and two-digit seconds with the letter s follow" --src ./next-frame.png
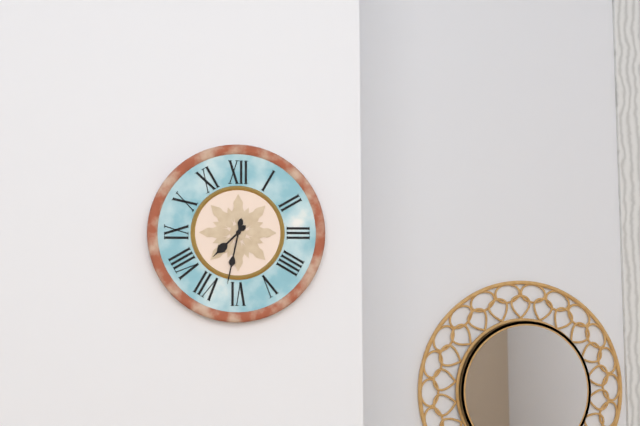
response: 7h32
